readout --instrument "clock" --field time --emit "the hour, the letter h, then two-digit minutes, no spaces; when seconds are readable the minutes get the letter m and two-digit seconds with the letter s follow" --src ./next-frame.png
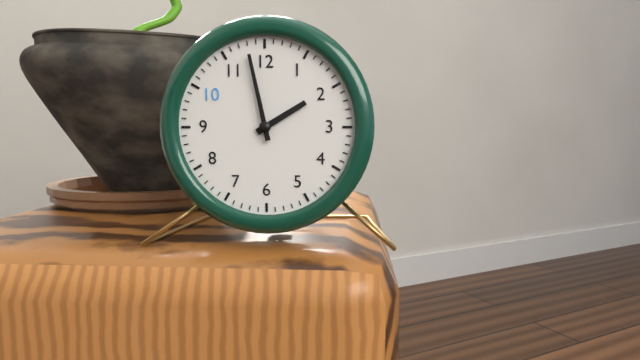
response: 1h58
